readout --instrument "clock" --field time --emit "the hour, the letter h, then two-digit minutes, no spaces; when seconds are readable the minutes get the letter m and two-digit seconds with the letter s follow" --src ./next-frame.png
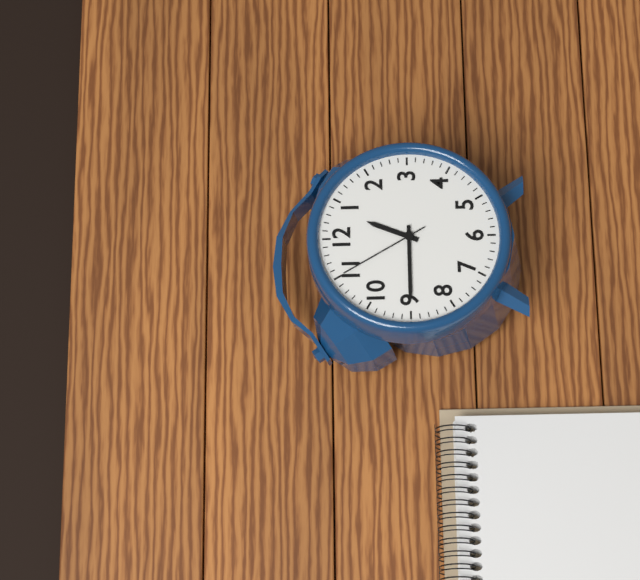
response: 12h45m55s
